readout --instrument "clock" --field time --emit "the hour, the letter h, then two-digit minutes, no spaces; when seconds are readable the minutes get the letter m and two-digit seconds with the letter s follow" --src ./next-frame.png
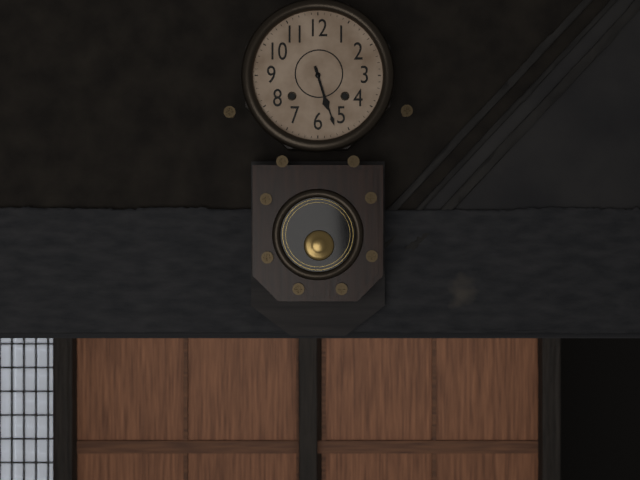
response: 5h27
